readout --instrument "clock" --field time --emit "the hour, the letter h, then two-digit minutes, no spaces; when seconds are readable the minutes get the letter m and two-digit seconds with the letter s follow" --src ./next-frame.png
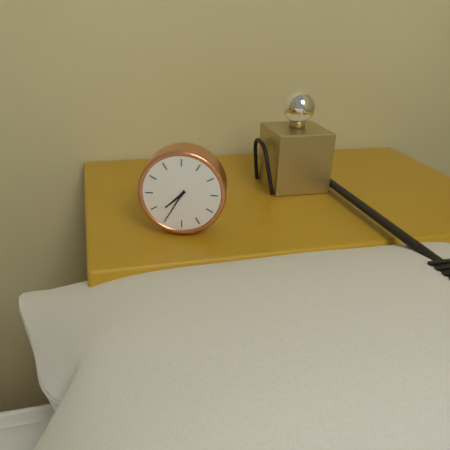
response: 7h35
